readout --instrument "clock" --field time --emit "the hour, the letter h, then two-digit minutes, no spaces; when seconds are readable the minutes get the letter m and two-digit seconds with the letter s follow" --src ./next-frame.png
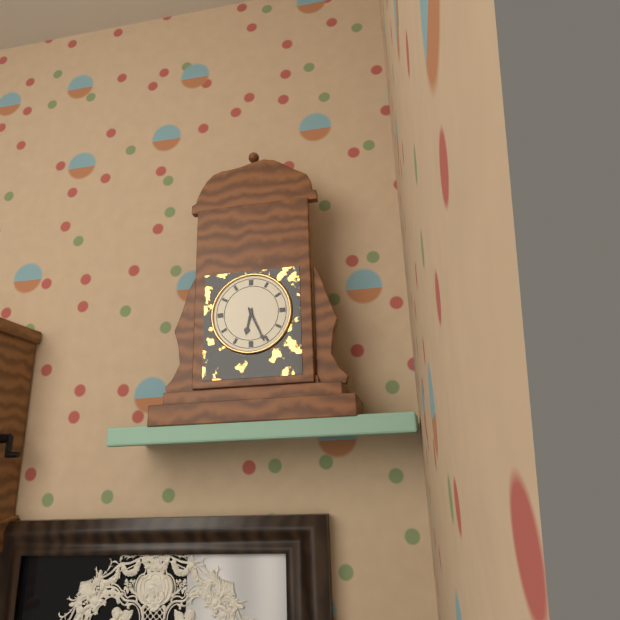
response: 6h26
